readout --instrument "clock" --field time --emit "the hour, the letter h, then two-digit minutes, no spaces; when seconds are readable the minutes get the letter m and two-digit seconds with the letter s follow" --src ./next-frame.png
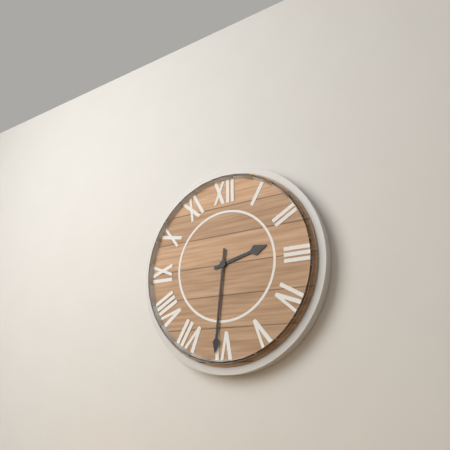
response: 2h31
